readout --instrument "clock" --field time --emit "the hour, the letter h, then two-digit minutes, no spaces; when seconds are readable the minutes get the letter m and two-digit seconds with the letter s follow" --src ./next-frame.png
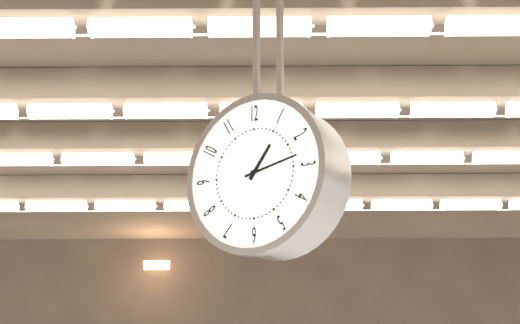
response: 1h13
